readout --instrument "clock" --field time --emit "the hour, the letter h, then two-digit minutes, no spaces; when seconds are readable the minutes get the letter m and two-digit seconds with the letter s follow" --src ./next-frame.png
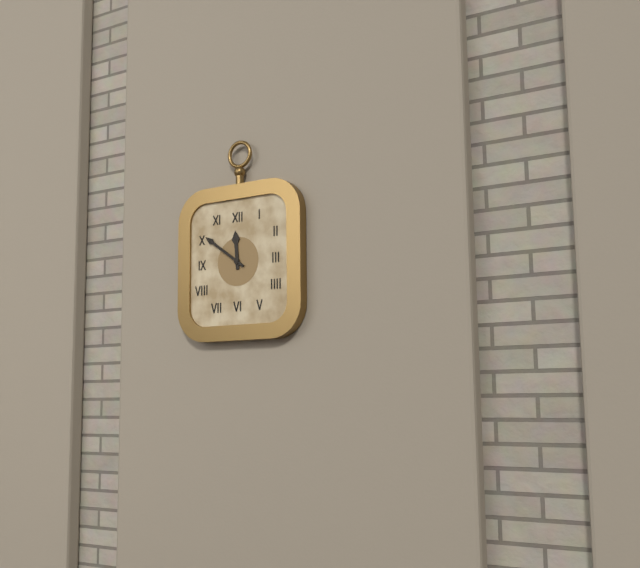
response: 11h51
